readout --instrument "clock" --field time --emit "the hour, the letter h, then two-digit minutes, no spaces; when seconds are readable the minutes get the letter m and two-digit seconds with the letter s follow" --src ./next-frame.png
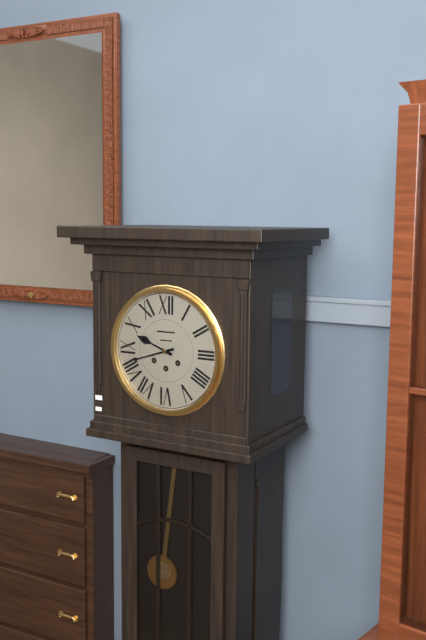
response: 9h42
